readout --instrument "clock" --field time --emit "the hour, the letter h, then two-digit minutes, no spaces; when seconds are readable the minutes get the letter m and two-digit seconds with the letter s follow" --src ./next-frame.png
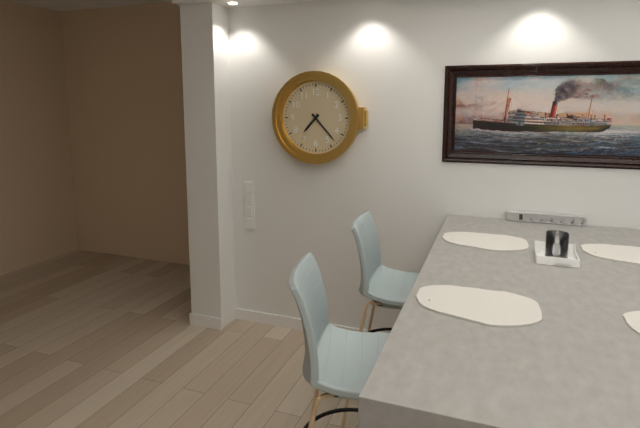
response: 7h23
